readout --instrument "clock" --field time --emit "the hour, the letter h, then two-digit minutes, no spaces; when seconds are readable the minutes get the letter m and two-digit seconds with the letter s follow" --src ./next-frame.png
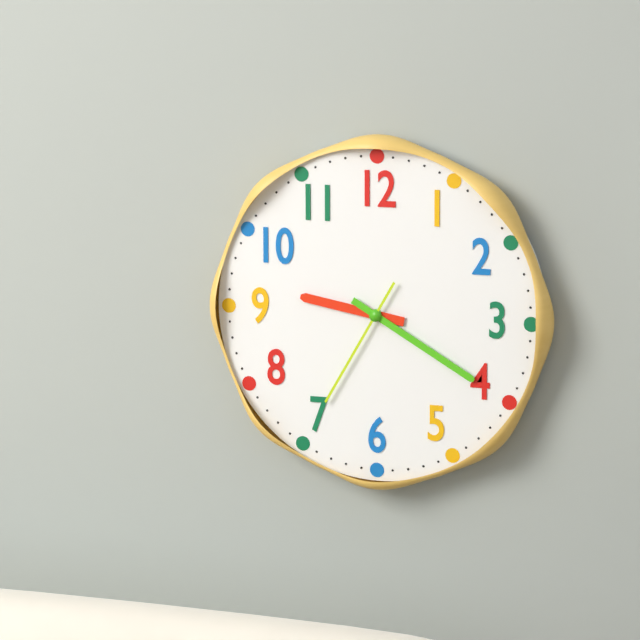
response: 9h20m35s
